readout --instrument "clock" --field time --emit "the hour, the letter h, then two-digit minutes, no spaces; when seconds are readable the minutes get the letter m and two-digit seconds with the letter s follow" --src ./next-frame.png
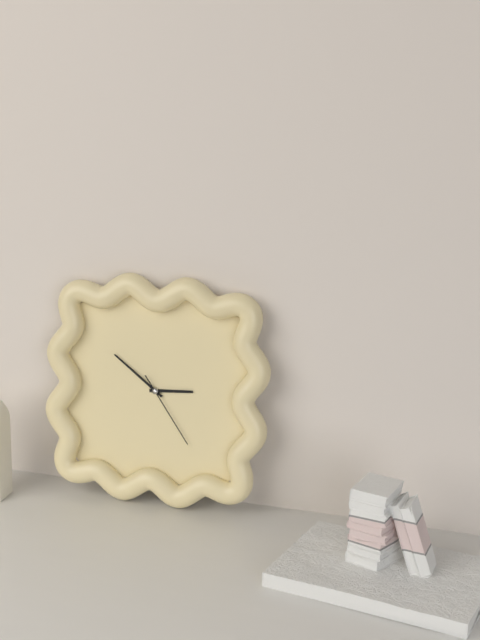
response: 2h51m24s
